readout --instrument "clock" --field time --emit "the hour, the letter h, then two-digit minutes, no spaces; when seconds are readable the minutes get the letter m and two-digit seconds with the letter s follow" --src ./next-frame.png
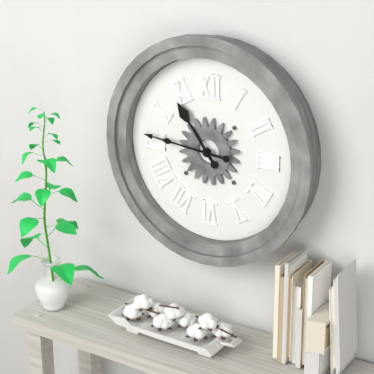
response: 10h46
